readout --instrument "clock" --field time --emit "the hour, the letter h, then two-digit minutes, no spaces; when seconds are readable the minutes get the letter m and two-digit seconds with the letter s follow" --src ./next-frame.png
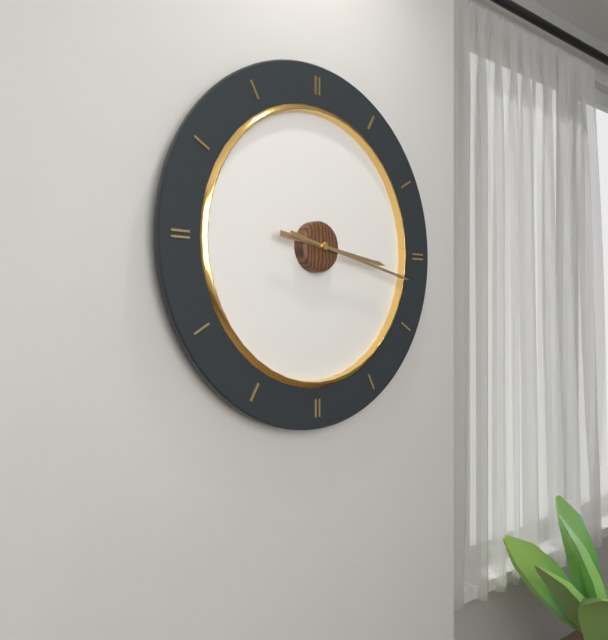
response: 3h17
